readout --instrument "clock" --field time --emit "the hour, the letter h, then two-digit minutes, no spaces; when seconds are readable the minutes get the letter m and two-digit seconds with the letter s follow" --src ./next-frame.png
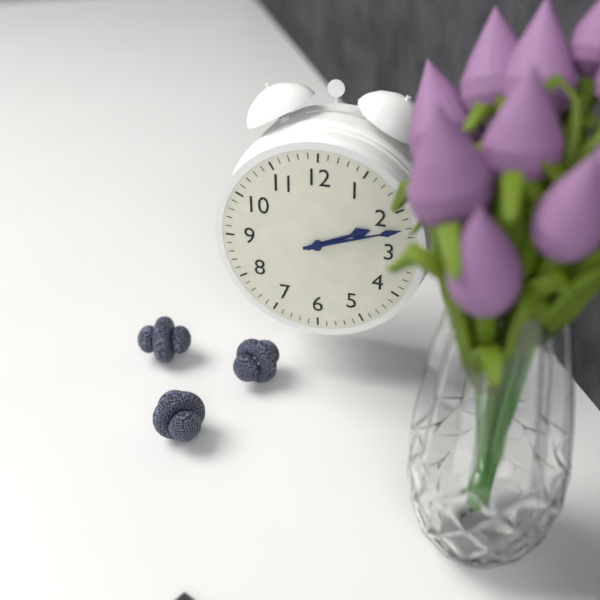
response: 2h12
